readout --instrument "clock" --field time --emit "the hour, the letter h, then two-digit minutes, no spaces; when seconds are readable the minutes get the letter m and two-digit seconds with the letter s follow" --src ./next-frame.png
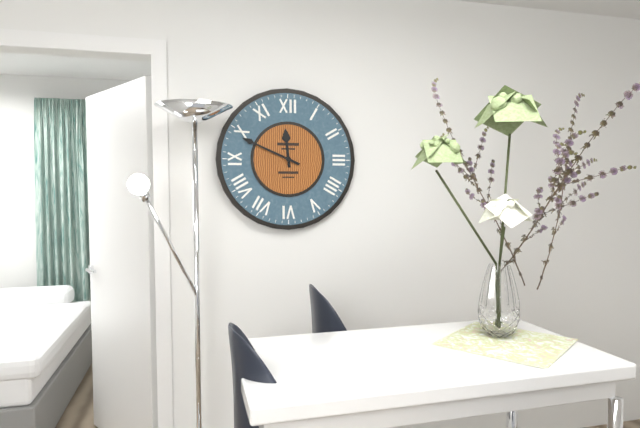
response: 11h49
